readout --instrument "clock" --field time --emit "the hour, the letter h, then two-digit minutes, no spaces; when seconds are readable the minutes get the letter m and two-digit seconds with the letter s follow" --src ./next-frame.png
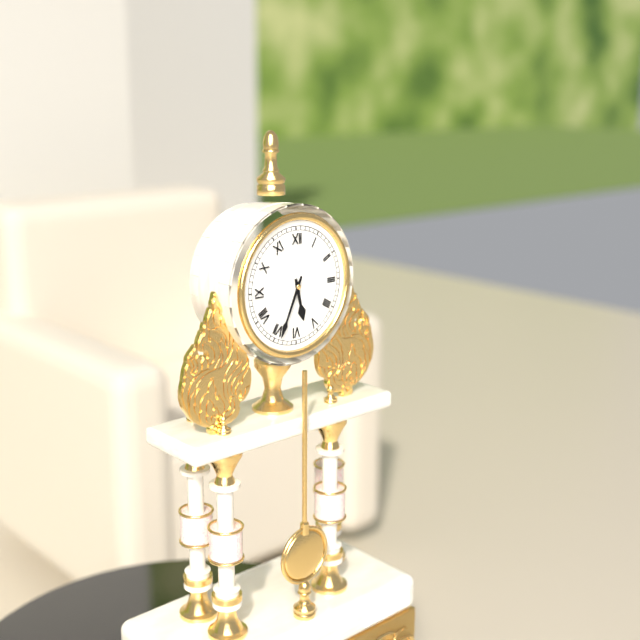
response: 5h34
